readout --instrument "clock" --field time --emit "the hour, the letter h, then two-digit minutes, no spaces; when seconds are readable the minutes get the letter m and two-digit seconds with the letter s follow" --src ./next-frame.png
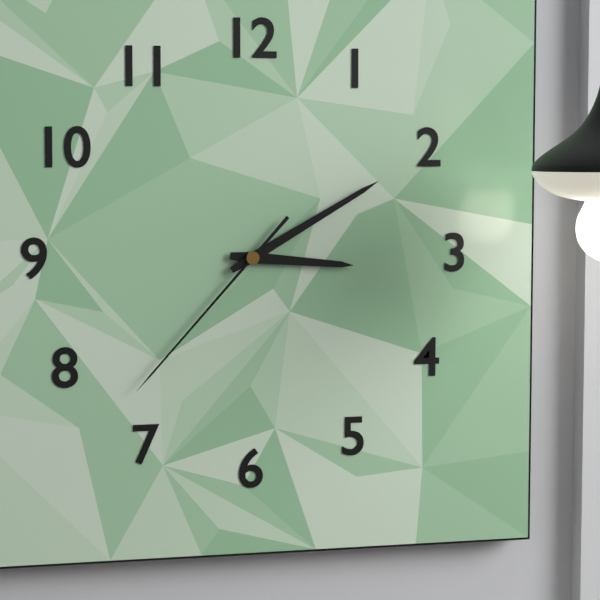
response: 3h10m37s
